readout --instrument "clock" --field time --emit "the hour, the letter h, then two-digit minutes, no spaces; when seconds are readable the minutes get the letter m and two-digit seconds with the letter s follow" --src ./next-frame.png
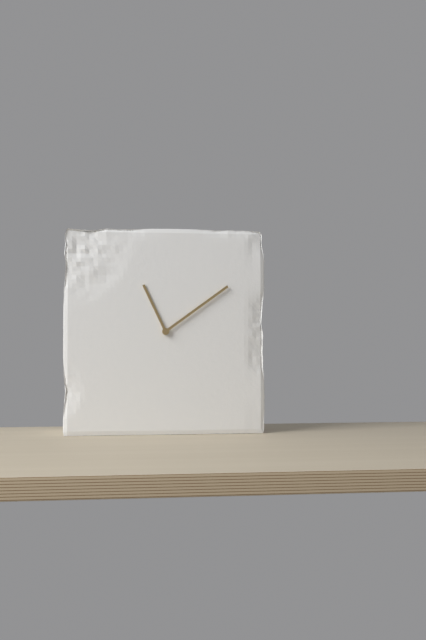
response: 11h09
